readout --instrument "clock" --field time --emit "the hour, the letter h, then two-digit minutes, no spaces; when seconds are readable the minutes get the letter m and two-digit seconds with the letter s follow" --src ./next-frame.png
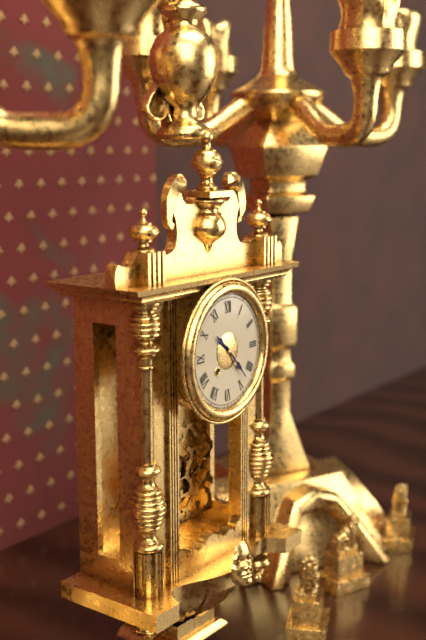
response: 10h23
